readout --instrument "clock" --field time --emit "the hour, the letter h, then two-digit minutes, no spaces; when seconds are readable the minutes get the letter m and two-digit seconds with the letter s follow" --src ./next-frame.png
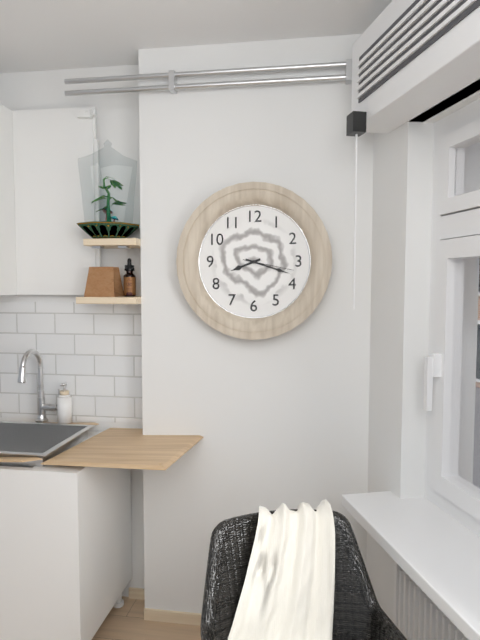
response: 8h18m17s
